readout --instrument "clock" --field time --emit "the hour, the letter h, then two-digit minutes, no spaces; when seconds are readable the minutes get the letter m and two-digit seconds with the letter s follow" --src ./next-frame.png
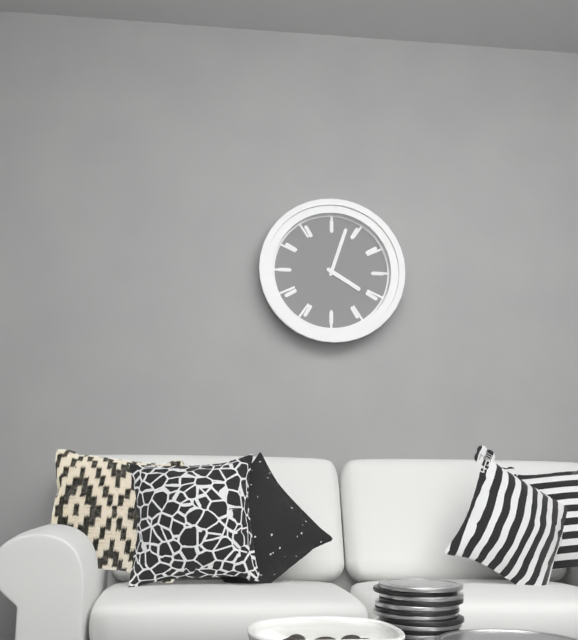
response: 4h03
